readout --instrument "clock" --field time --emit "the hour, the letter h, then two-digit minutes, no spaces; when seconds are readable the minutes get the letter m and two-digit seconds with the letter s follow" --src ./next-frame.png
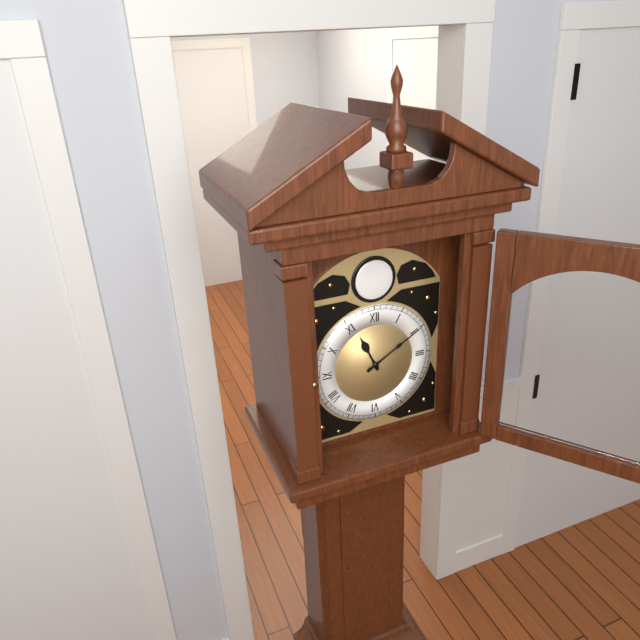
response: 11h10
